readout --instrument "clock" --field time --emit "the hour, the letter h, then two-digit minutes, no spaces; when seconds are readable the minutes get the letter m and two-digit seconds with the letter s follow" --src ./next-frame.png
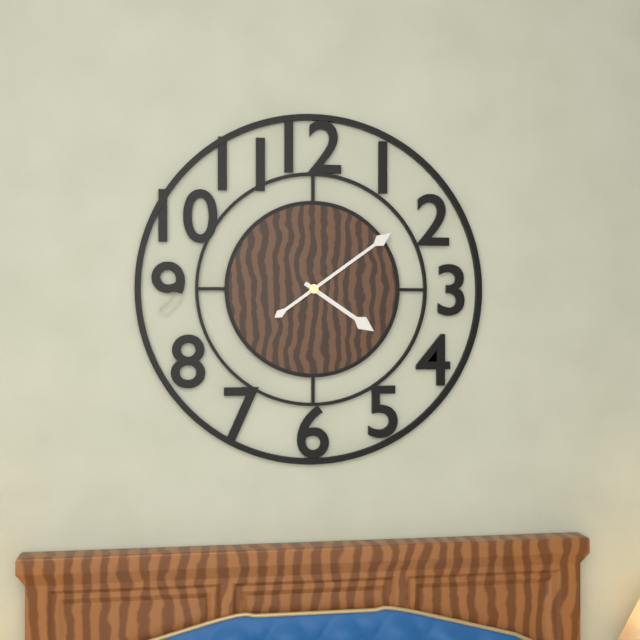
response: 4h09
